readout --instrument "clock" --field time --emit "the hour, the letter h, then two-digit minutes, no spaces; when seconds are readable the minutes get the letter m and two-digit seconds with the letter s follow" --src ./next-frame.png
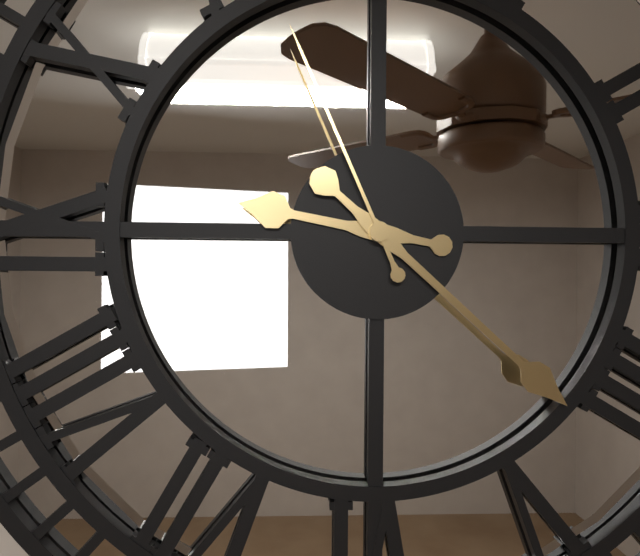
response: 9h22m56s
